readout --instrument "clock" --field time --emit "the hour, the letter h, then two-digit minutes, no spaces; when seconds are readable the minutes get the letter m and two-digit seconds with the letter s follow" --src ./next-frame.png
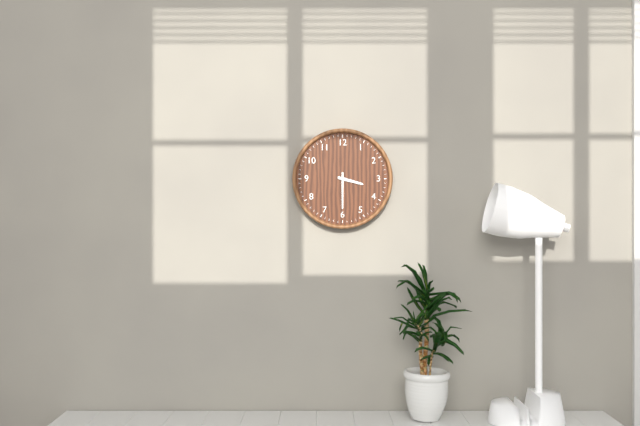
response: 3h30
